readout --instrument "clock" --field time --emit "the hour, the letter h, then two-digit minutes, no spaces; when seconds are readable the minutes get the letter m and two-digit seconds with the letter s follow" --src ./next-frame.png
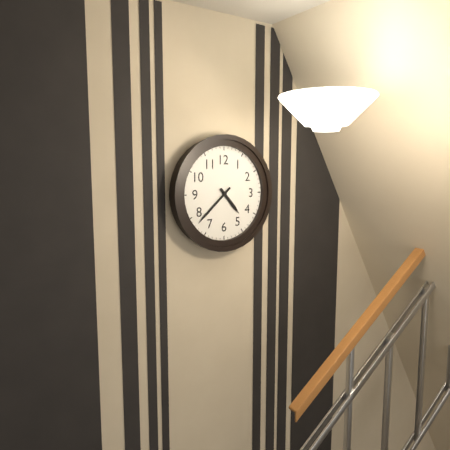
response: 4h38
